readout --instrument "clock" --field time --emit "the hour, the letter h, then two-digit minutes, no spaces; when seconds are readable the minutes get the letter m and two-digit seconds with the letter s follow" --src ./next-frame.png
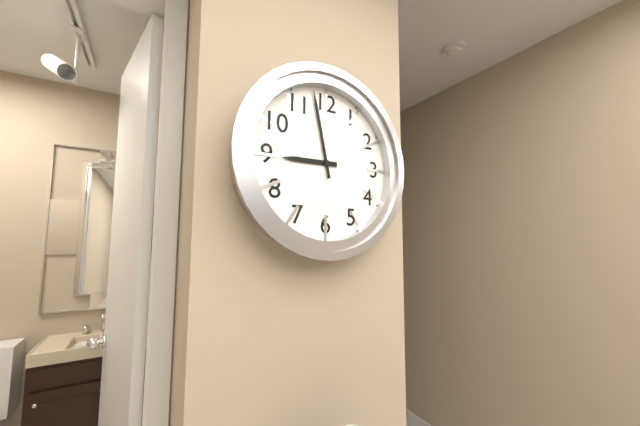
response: 8h58
